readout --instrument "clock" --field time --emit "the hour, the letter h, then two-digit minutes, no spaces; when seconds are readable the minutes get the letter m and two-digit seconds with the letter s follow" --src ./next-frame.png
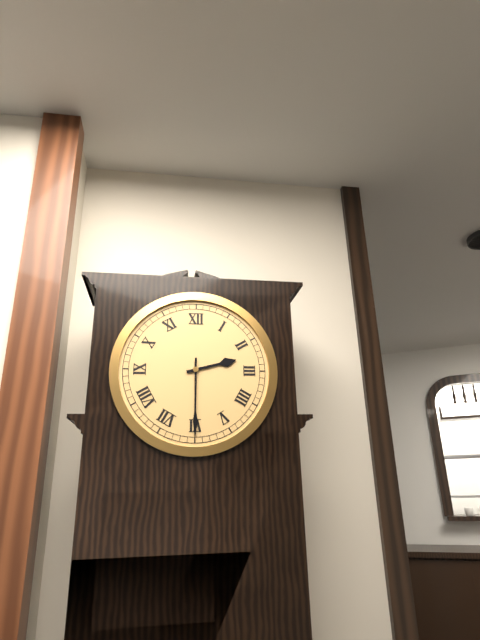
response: 2h30
